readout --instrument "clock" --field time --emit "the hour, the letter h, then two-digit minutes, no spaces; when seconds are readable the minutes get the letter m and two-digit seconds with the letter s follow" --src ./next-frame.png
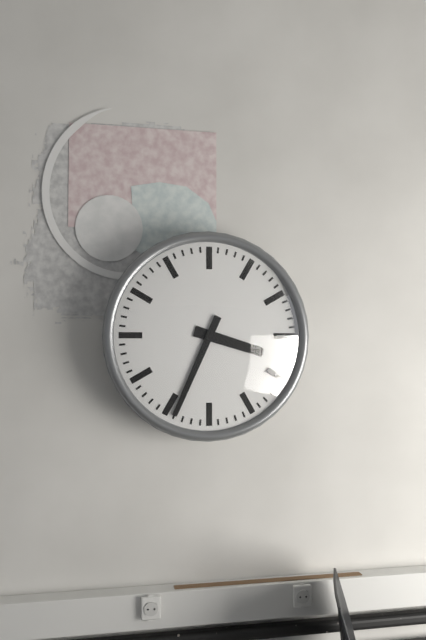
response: 3h34
